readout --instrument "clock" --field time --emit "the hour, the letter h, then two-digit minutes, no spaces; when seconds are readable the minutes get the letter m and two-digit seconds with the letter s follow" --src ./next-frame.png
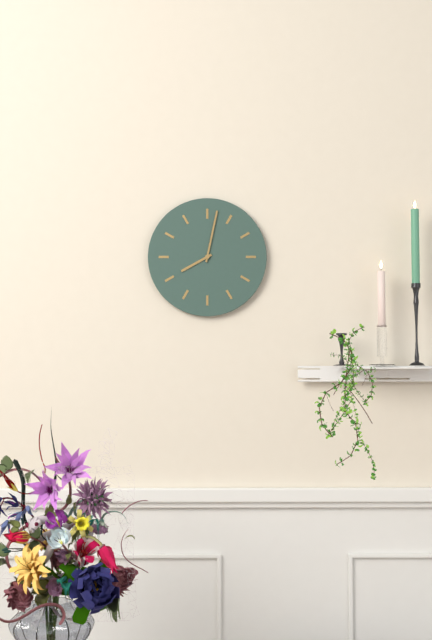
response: 8h02
